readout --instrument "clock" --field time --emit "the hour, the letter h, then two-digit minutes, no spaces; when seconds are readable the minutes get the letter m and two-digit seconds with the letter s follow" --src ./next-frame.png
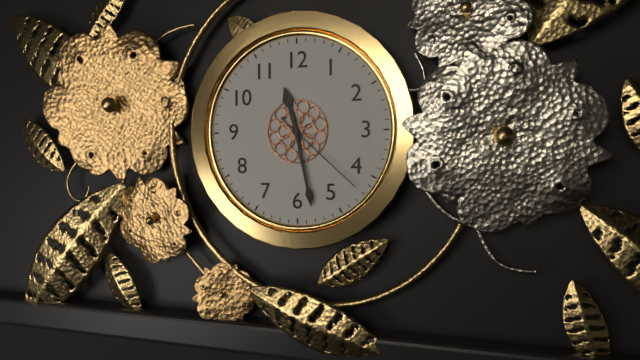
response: 11h28m22s
